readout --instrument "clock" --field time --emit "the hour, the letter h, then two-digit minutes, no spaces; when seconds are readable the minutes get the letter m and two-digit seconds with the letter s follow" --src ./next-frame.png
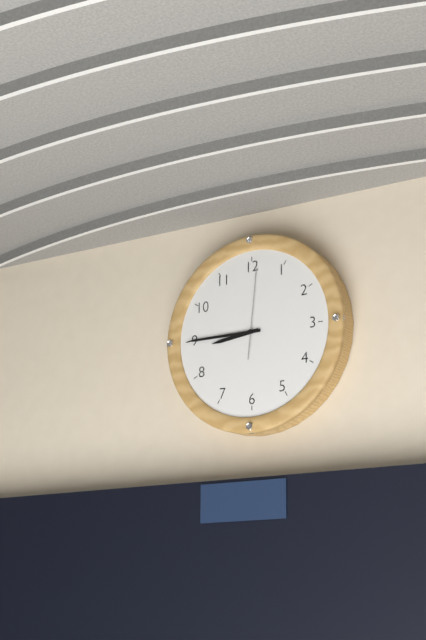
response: 8h45m01s
